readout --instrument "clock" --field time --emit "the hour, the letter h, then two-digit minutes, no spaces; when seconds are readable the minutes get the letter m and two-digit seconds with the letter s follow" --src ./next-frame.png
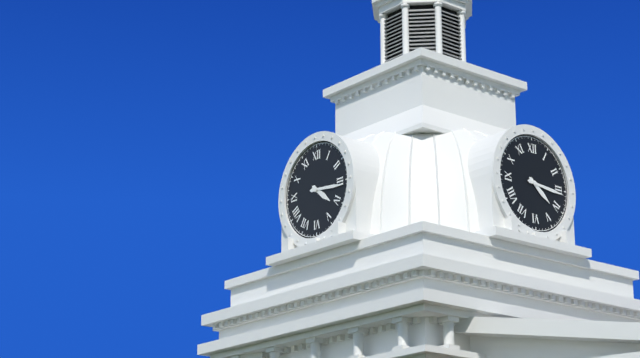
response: 4h16
